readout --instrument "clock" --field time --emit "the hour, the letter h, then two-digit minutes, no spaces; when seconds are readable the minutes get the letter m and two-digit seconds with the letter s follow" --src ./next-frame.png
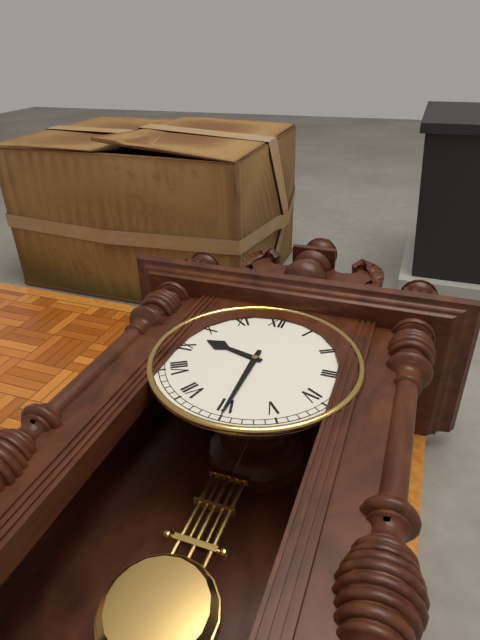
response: 9h30
